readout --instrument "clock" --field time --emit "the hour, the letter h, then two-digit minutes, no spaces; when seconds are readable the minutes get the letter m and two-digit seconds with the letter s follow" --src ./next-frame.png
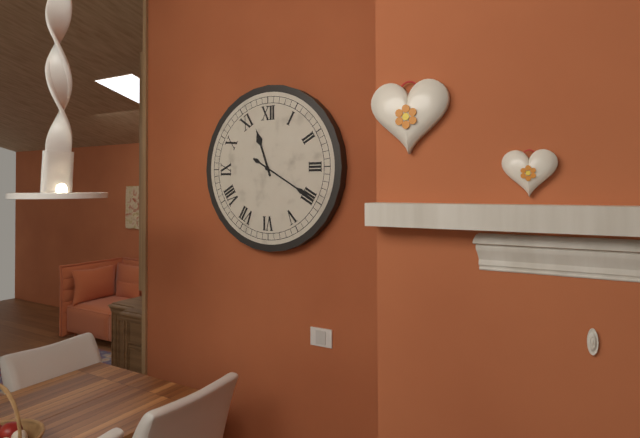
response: 11h20
